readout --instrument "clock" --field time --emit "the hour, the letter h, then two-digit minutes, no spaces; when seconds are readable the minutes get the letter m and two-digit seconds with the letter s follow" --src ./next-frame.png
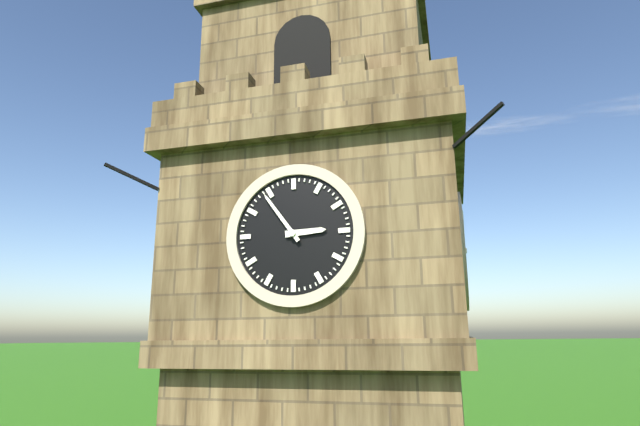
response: 2h54
